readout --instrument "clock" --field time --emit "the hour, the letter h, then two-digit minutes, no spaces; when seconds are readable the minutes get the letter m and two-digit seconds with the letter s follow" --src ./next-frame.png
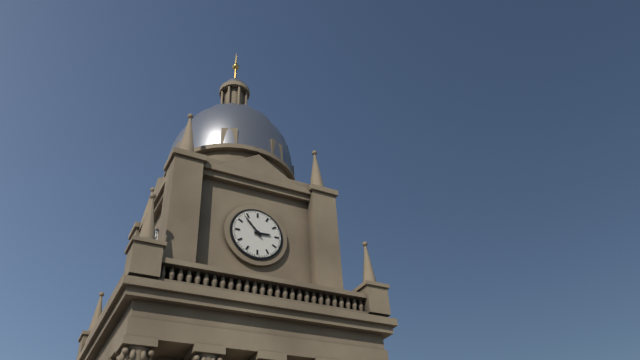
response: 2h53
